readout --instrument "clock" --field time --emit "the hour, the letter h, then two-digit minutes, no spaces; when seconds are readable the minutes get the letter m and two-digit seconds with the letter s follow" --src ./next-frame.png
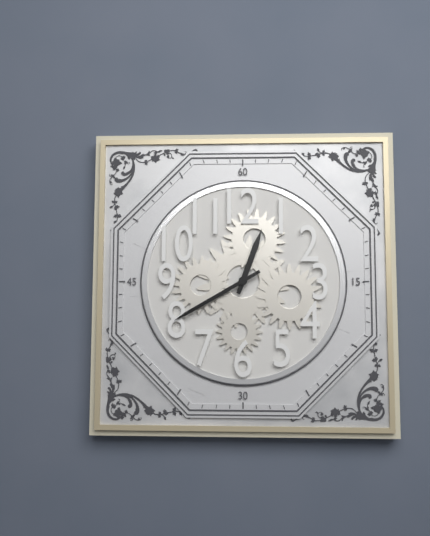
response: 12h40
